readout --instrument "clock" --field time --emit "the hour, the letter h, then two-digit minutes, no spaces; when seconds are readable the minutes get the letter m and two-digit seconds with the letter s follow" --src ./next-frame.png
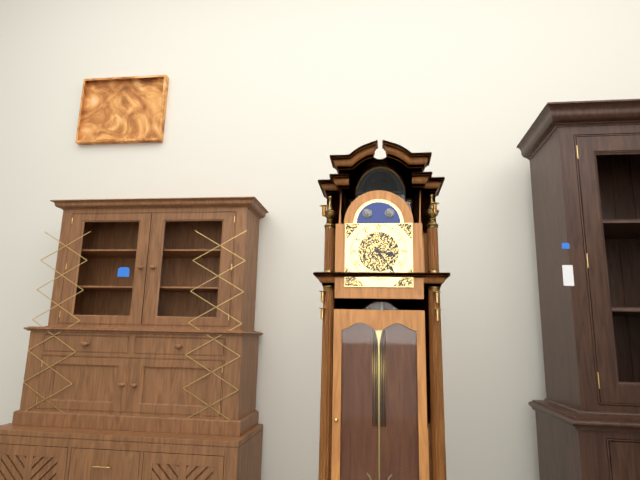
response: 3h24
